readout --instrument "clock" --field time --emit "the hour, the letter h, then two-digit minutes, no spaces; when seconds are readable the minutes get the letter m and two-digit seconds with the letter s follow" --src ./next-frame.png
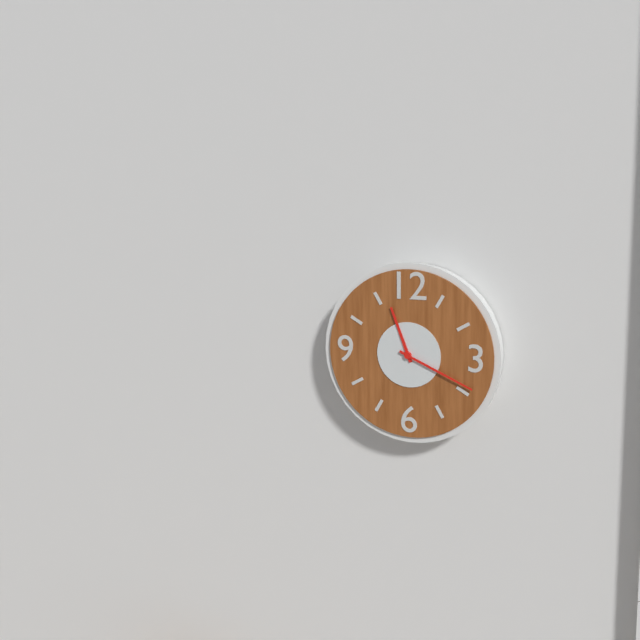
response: 11h19
